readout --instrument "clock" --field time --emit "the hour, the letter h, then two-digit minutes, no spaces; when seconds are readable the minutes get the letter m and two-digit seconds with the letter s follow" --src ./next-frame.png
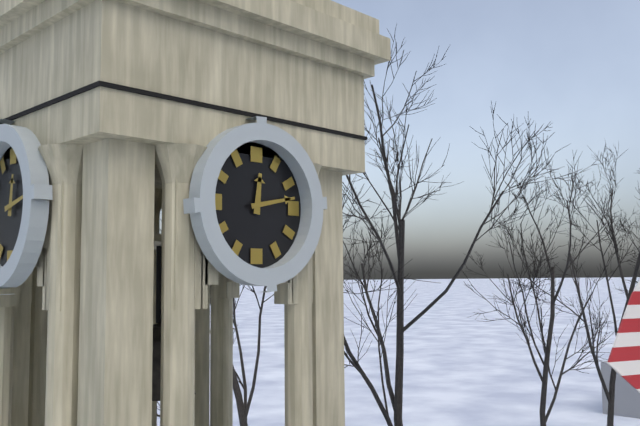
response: 12h13
